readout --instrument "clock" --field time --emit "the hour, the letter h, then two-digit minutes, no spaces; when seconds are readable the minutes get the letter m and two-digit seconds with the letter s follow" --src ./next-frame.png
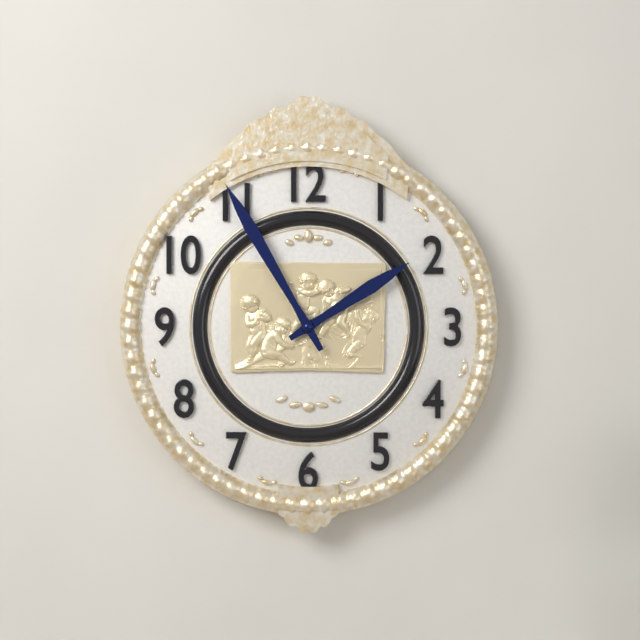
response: 1h55
